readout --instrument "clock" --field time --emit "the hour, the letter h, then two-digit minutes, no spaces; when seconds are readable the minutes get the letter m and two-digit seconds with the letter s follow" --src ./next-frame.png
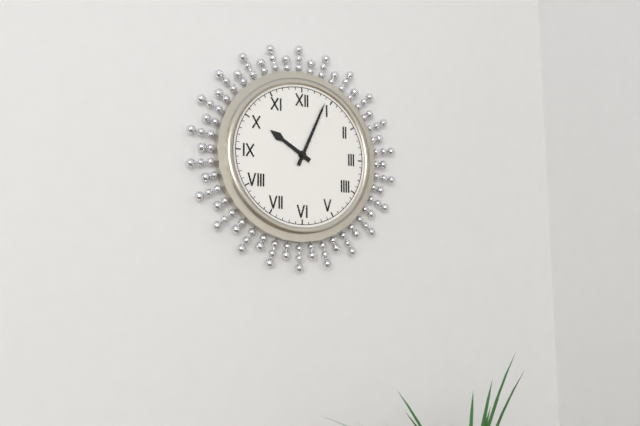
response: 10h04
